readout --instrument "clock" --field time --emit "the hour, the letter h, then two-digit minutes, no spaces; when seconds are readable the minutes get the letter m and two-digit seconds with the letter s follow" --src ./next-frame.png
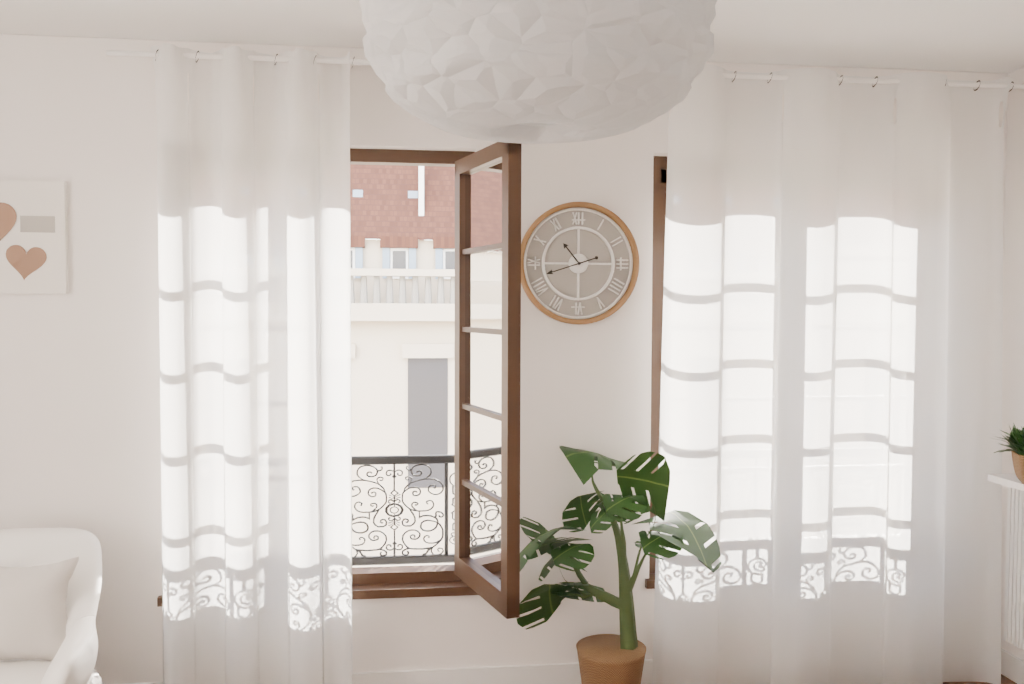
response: 10h42
